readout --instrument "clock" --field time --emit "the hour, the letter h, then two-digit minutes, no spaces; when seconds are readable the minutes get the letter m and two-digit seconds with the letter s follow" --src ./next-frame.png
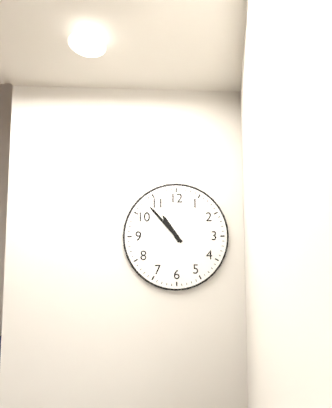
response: 10h53
